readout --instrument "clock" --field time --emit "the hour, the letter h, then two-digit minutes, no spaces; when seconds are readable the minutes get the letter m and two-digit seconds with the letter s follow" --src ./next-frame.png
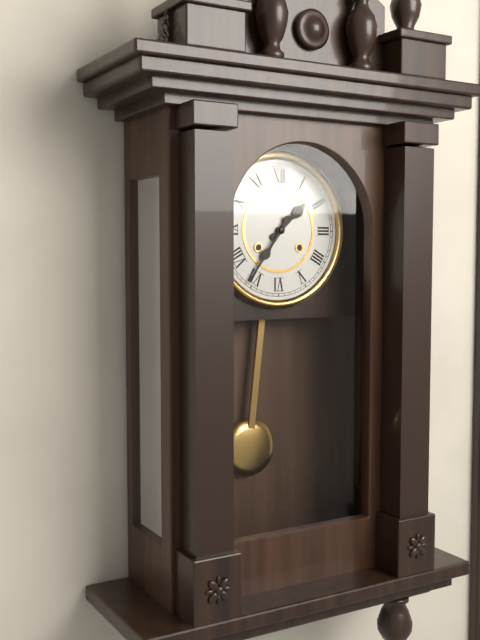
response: 1h36
